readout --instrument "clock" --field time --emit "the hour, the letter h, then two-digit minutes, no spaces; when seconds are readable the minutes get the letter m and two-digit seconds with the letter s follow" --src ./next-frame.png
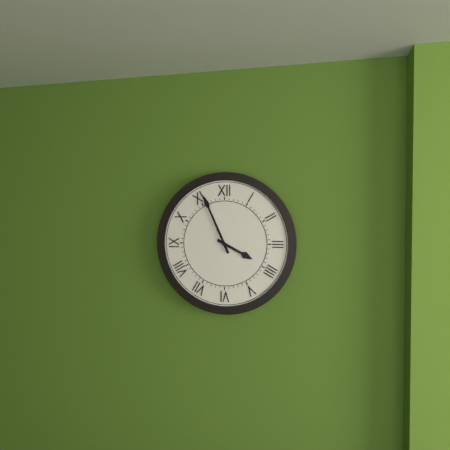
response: 3h56
